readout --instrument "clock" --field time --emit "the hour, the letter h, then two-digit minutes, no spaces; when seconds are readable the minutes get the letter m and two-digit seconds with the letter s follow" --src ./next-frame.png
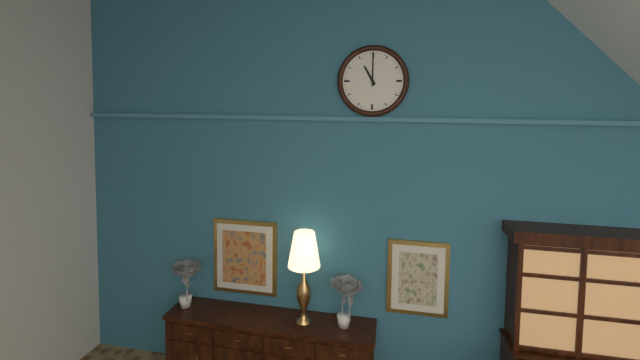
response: 11h00
